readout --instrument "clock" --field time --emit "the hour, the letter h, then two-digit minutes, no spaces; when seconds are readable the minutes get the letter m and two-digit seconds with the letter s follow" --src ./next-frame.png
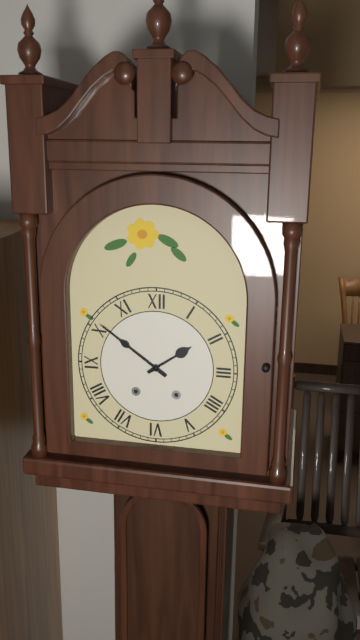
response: 1h51
